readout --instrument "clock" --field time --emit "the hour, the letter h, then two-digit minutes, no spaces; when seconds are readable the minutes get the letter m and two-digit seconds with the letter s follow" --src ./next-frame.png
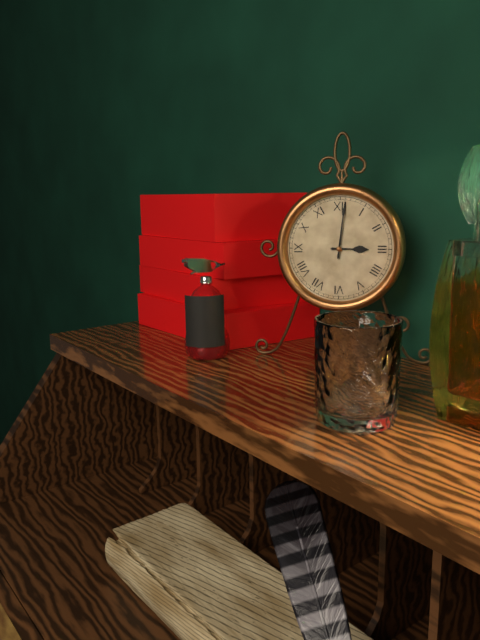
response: 3h01
